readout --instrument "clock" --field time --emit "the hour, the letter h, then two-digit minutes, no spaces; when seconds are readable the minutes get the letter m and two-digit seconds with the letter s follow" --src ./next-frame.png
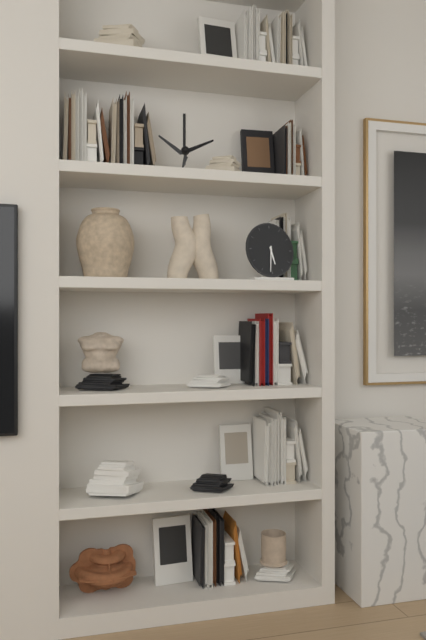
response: 5h31
